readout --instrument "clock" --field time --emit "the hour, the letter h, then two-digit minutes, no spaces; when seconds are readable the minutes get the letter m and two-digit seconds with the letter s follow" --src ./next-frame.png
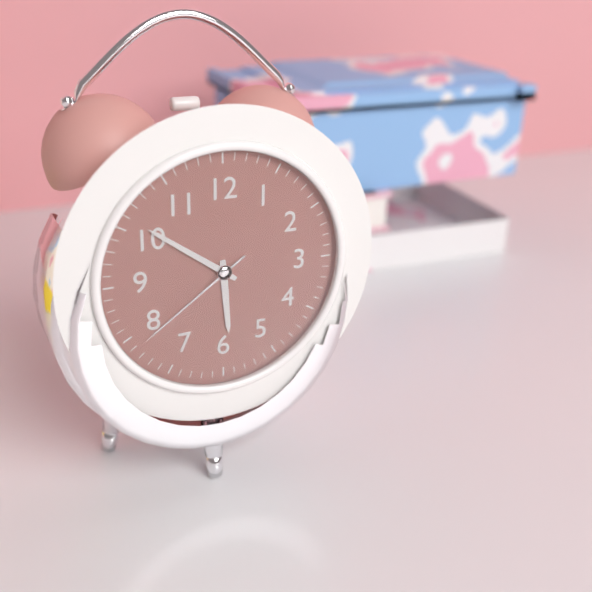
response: 5h51m39s
